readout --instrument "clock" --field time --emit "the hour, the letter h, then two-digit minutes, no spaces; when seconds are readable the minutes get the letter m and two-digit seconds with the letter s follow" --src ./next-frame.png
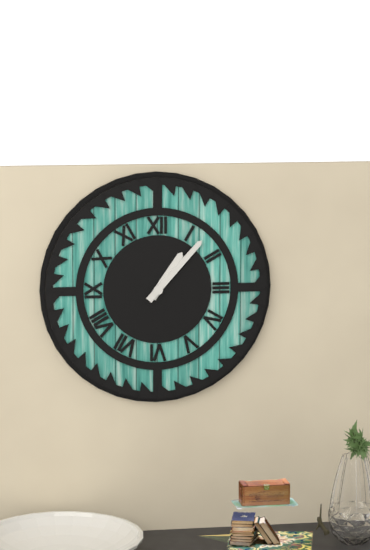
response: 1h07
